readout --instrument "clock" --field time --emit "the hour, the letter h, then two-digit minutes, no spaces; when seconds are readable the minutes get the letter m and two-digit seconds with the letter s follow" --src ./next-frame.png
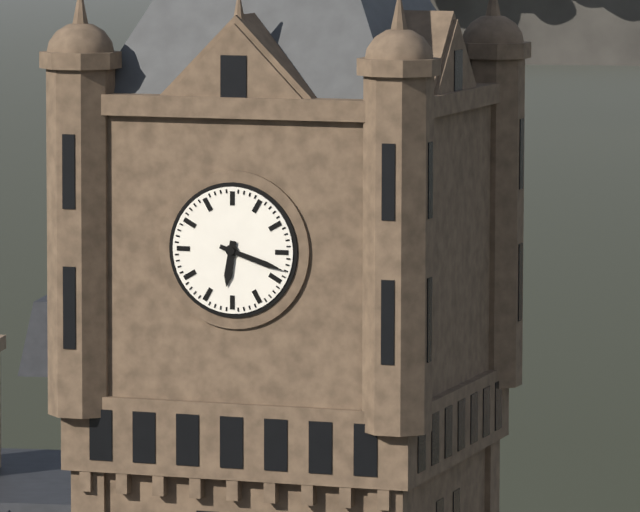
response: 6h18
